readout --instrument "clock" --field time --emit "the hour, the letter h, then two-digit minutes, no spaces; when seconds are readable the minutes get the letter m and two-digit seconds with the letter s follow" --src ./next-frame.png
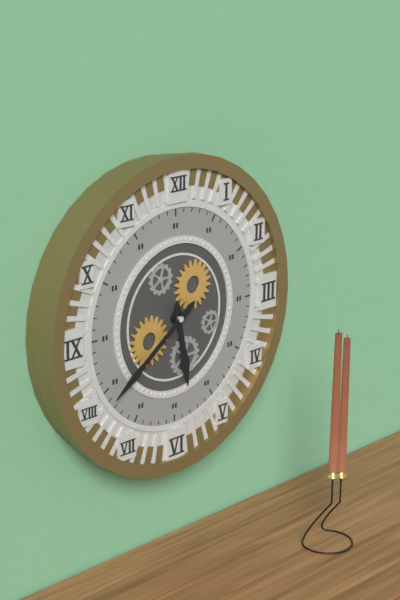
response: 5h39
